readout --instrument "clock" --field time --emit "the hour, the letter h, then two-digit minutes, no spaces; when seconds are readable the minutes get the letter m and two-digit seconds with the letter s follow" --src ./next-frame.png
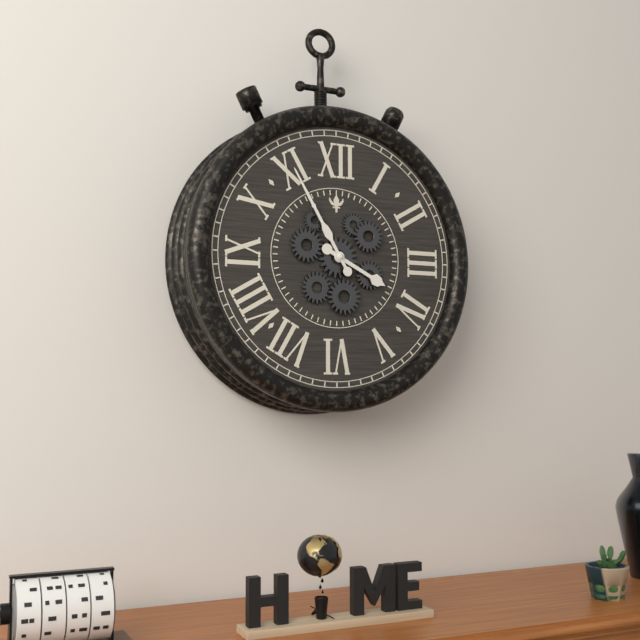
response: 3h55
